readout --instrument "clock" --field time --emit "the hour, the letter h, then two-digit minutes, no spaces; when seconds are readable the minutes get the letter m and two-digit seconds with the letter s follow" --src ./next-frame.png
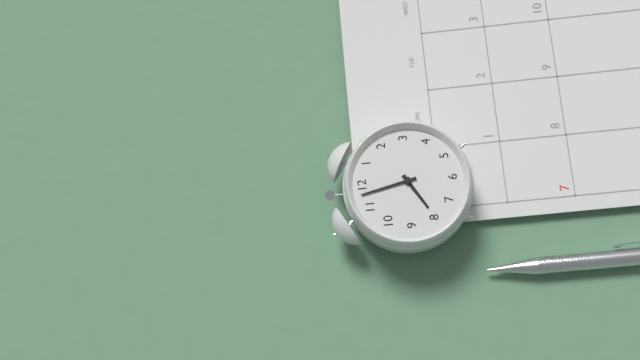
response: 7h58
